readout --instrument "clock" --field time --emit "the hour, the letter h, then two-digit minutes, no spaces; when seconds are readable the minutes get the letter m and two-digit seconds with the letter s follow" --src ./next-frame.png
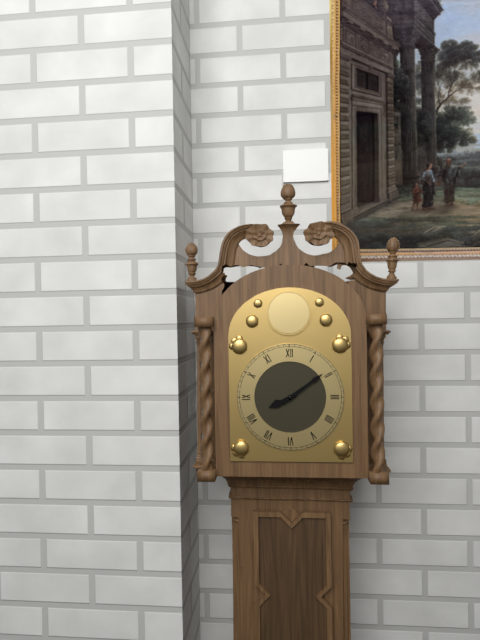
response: 8h09
